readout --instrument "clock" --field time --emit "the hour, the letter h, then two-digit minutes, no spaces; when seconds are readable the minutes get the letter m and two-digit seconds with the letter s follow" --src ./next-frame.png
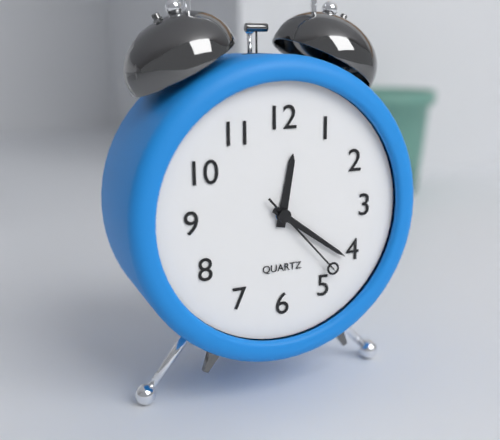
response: 12h21m23s
